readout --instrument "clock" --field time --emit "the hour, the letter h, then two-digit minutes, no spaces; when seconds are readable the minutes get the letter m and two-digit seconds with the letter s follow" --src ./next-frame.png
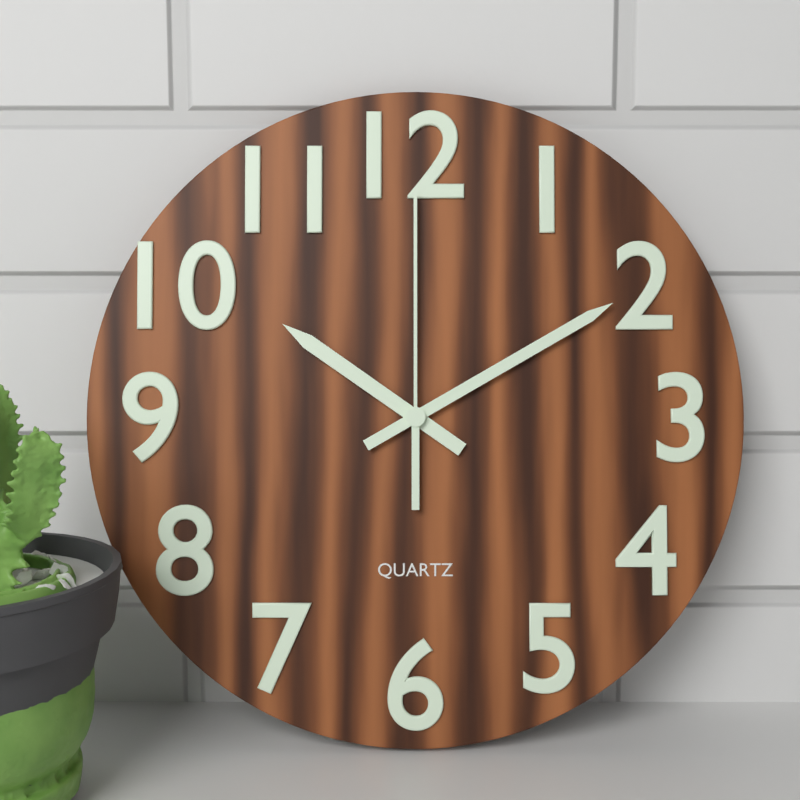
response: 10h10m00s
